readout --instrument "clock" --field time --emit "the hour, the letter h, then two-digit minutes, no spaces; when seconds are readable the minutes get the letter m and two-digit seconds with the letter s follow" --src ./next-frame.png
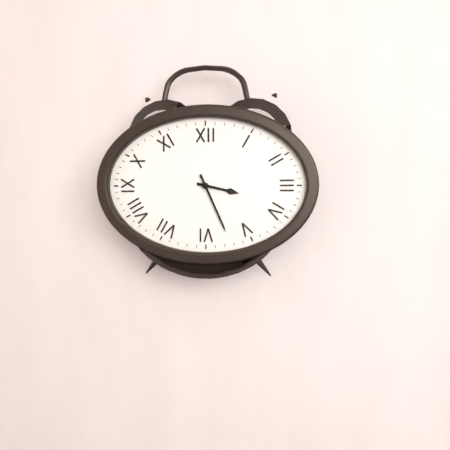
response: 3h26
